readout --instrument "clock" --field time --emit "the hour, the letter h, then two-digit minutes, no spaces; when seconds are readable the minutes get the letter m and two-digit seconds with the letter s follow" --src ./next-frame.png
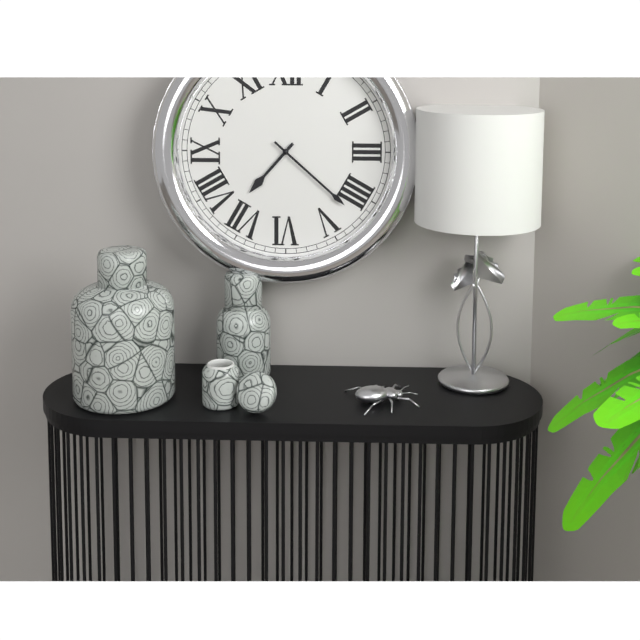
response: 7h22
